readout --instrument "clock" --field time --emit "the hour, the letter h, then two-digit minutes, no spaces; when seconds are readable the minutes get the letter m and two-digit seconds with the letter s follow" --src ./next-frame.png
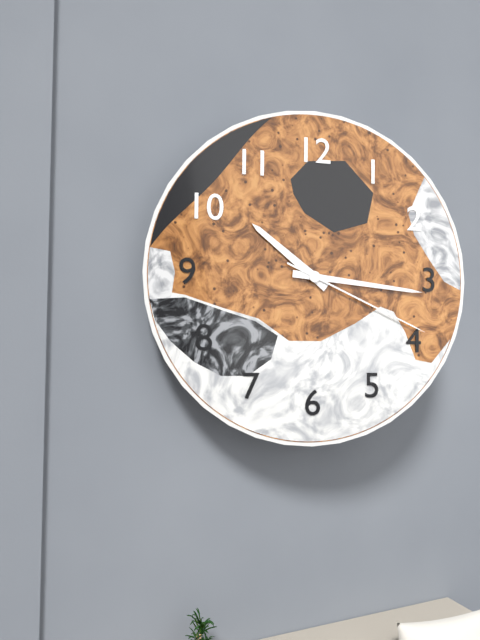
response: 10h16m19s
